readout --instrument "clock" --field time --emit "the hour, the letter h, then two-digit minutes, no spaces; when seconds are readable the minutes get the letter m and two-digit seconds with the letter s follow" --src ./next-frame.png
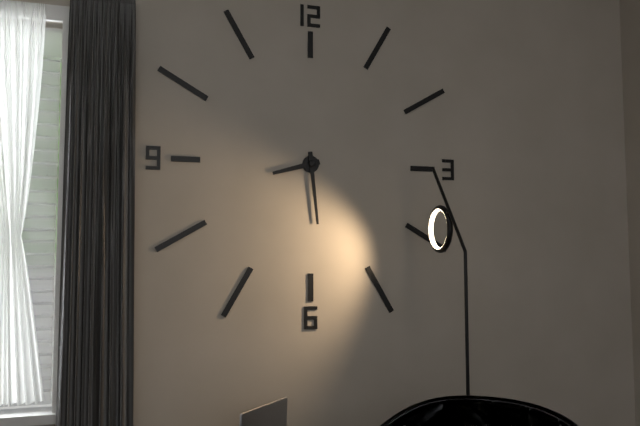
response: 8h29
